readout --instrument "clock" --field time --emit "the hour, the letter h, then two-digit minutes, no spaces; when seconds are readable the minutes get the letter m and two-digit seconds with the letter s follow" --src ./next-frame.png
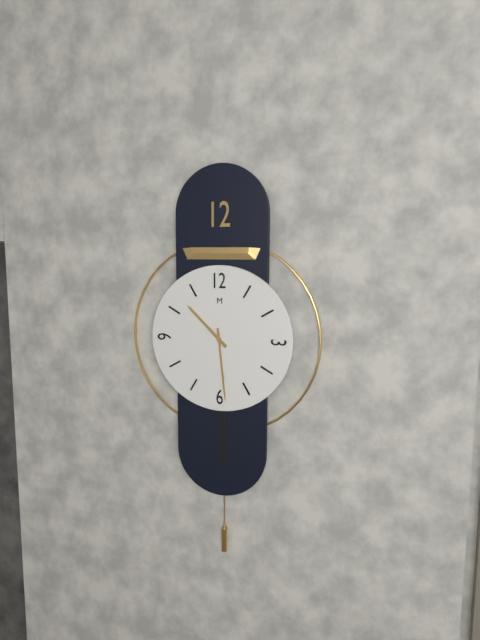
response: 10h29
